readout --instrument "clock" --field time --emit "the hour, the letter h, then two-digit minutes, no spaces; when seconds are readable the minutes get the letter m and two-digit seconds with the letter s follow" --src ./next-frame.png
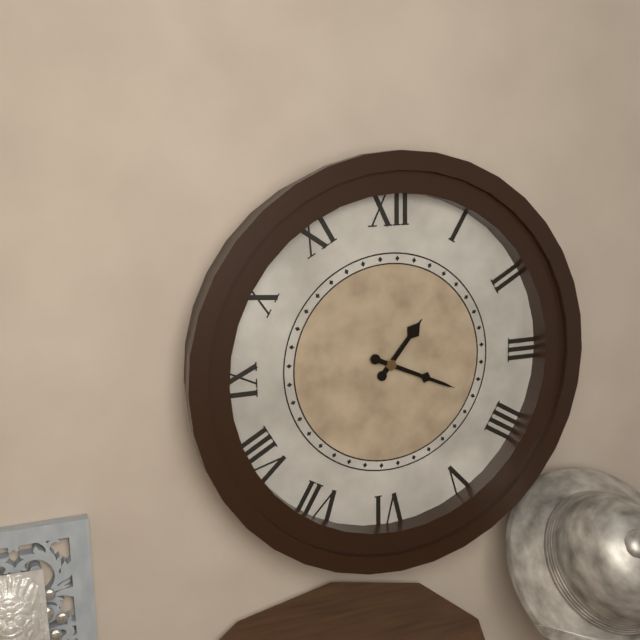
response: 1h19
